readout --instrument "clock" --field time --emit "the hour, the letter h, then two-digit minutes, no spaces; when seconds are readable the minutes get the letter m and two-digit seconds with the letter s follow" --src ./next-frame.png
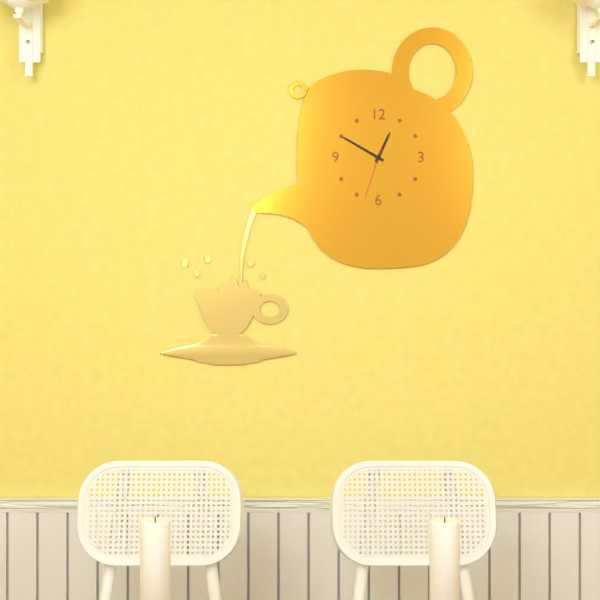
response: 12h50m33s
